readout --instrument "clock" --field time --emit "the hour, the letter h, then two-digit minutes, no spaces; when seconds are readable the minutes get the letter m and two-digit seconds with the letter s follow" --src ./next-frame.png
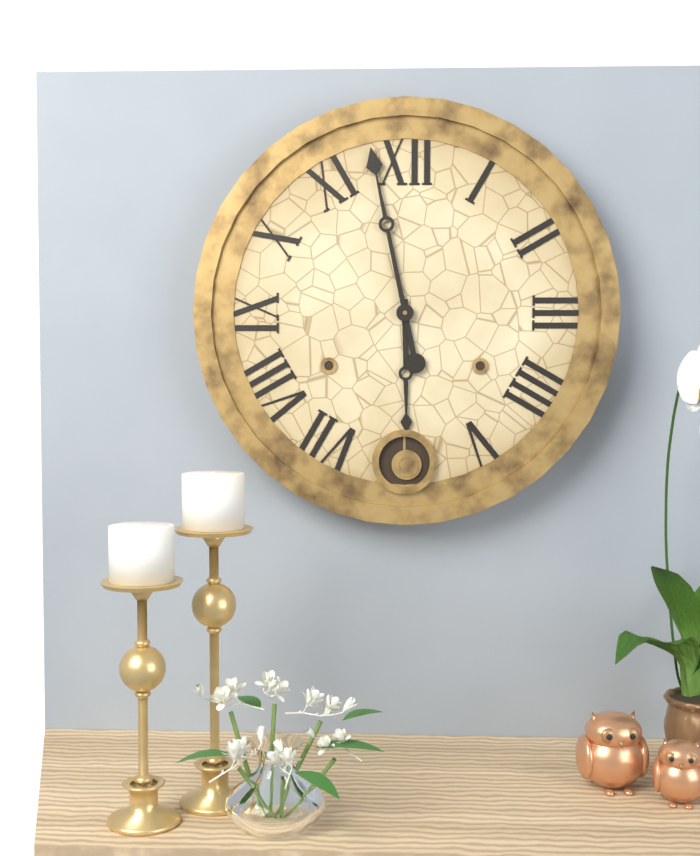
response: 5h58
